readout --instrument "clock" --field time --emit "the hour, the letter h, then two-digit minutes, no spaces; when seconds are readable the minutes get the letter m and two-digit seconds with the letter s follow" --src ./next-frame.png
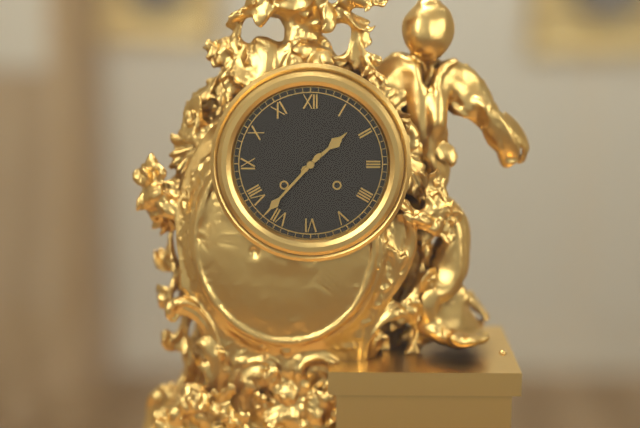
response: 1h37
